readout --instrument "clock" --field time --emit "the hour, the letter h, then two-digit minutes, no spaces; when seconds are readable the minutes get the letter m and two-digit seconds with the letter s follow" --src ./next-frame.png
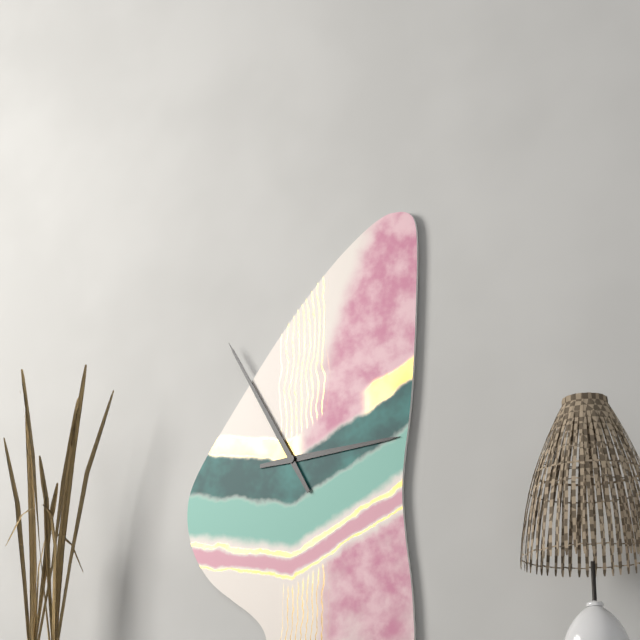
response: 2h55
